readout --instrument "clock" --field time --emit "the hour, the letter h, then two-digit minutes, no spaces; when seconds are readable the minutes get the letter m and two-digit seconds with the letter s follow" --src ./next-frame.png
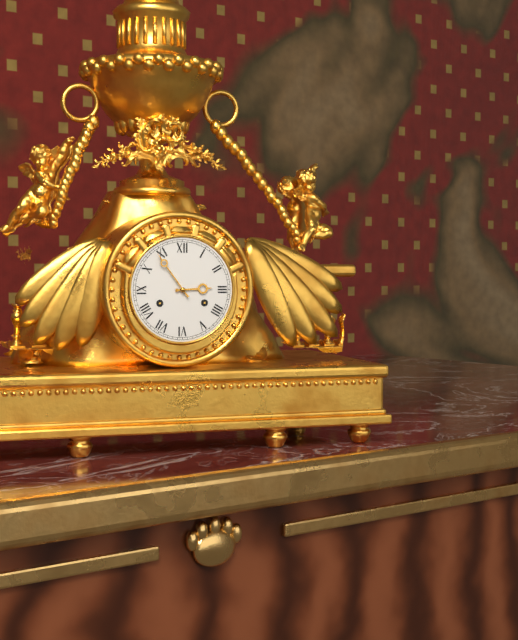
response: 2h54
